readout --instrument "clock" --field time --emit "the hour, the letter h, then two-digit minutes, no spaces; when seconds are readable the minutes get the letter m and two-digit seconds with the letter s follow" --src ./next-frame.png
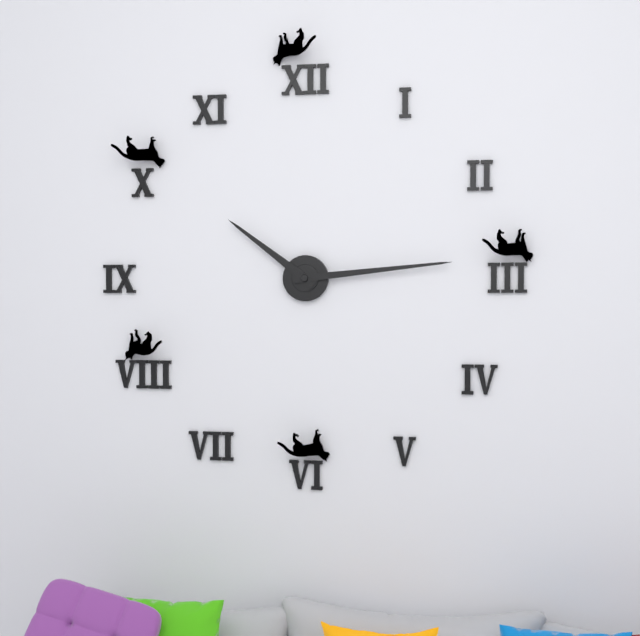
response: 10h14
